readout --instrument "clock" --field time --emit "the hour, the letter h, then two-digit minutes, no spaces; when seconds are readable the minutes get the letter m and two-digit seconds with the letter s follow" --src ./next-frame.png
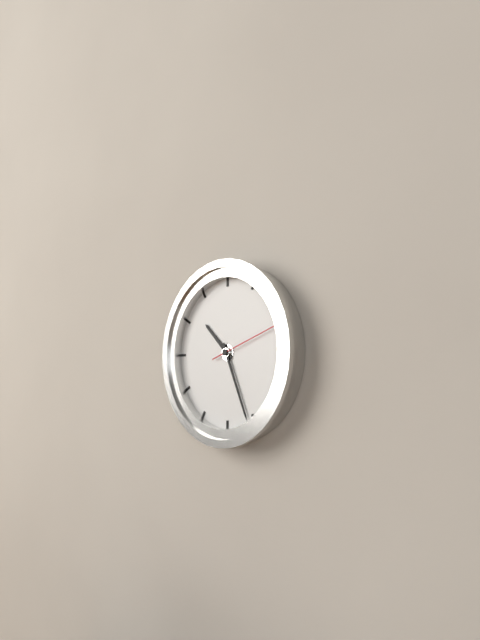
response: 10h26m12s
